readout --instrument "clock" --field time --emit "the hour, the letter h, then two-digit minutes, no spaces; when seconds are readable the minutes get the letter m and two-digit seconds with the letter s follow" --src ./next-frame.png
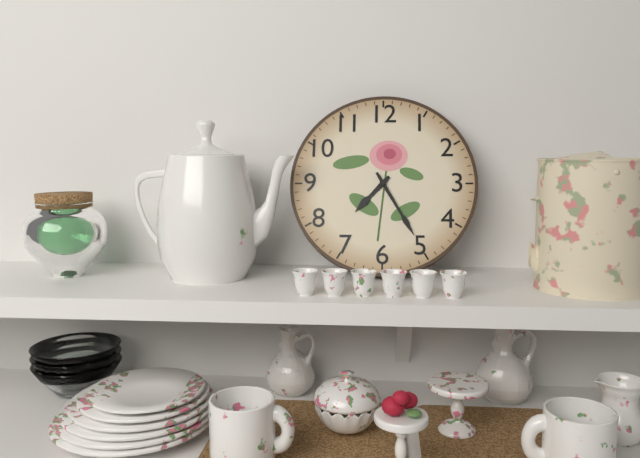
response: 7h25
